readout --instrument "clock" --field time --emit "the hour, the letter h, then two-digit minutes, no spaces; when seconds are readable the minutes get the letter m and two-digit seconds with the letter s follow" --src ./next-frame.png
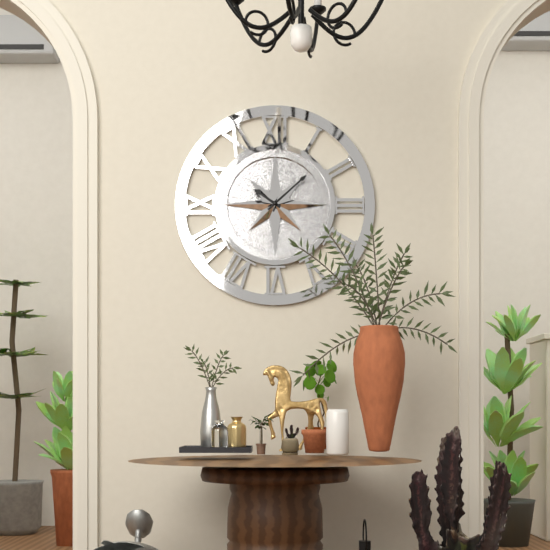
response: 10h08
